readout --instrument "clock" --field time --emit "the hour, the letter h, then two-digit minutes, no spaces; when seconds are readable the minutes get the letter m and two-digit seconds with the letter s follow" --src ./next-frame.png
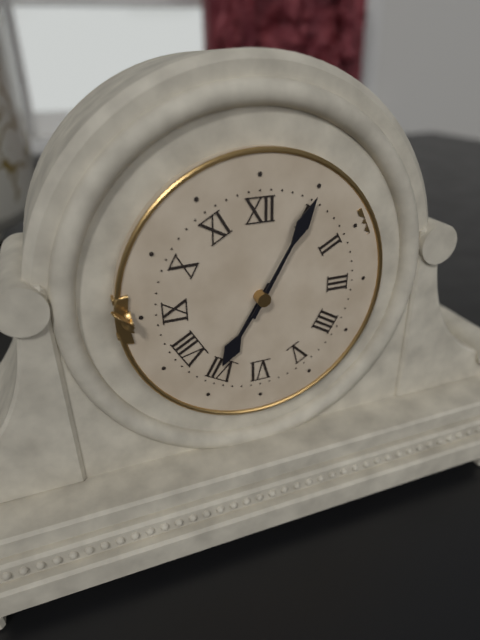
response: 7h05
